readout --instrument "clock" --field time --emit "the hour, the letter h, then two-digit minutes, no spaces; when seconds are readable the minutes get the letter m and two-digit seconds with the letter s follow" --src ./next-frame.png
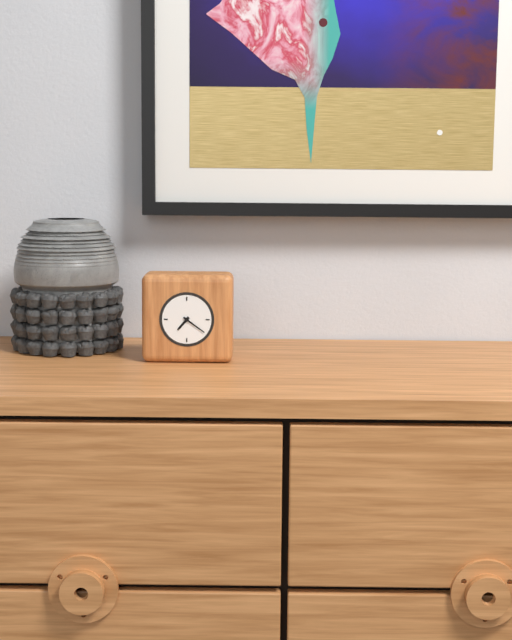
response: 7h21
